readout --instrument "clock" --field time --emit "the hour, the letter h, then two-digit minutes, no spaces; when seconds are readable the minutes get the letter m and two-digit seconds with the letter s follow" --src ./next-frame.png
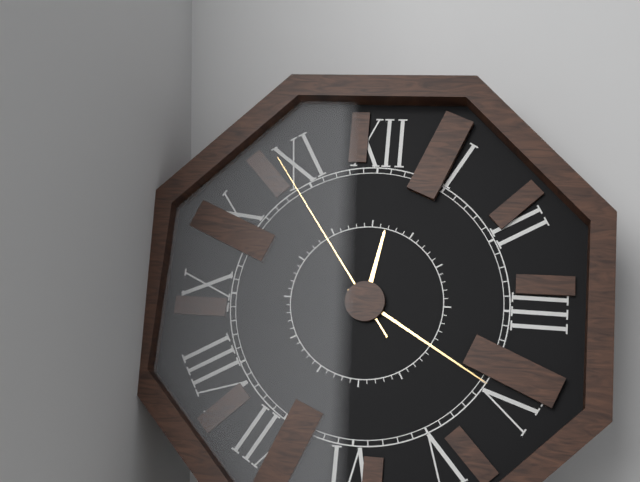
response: 12h20m54s
